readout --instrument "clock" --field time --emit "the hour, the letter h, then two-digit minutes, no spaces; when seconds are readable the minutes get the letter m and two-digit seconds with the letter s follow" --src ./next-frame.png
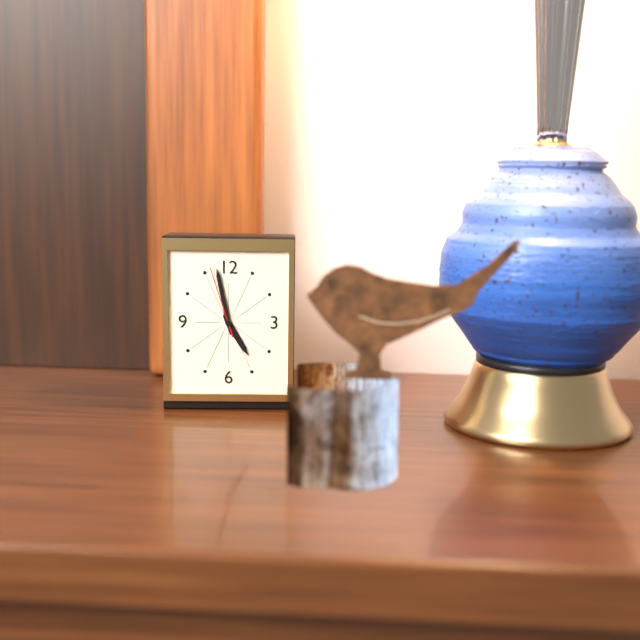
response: 4h58m57s
